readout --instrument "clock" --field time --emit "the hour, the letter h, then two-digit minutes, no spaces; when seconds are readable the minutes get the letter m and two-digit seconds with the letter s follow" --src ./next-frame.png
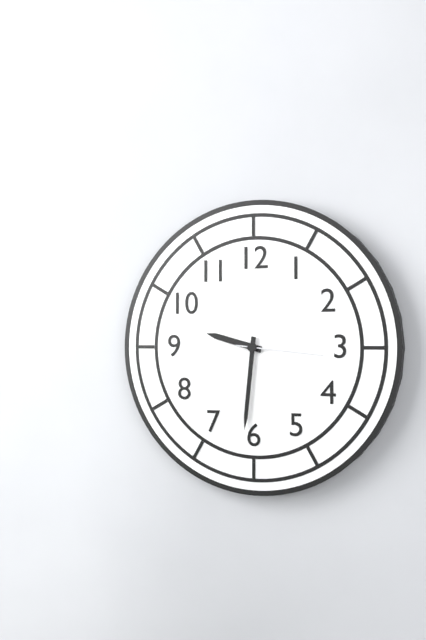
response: 9h31m16s
